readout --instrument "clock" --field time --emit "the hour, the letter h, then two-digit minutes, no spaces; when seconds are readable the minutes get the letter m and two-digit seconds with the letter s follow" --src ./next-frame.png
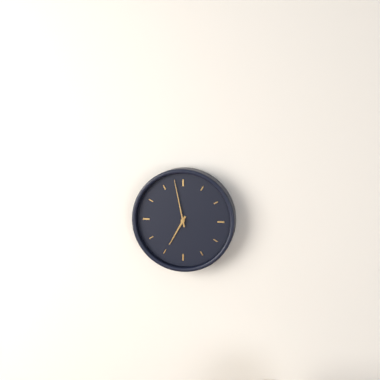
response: 6h58
